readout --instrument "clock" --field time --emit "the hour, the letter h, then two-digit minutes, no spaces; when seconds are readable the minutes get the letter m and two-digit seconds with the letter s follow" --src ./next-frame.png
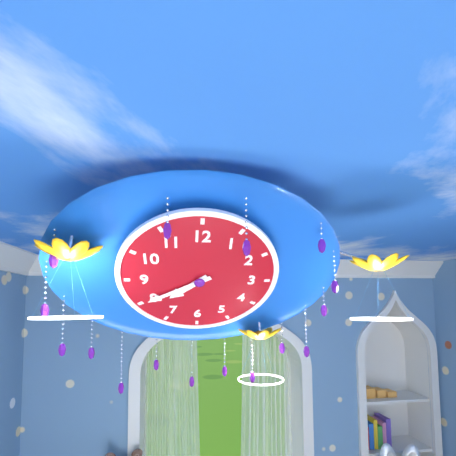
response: 7h40
